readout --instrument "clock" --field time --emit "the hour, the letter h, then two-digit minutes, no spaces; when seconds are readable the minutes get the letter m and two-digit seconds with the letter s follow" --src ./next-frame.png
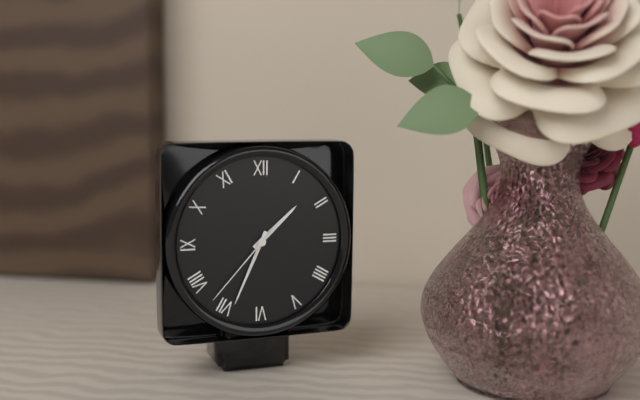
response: 1h34m37s
